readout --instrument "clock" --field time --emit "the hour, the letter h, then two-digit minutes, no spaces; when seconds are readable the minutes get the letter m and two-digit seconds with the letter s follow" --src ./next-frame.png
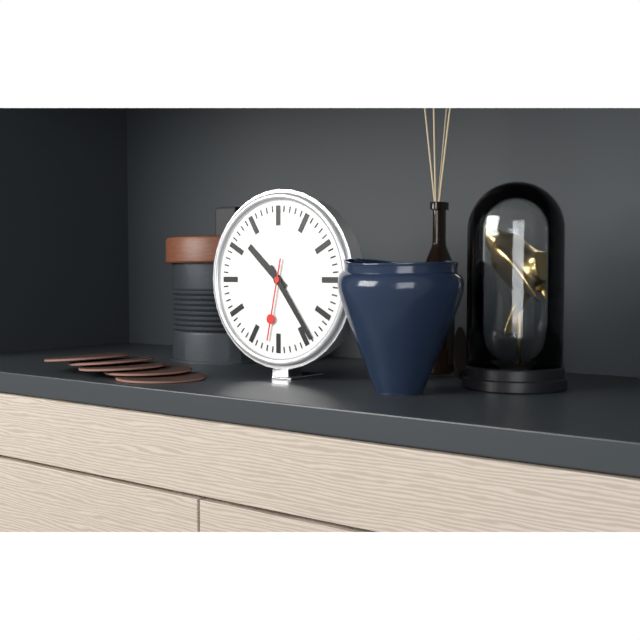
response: 10h24m32s
